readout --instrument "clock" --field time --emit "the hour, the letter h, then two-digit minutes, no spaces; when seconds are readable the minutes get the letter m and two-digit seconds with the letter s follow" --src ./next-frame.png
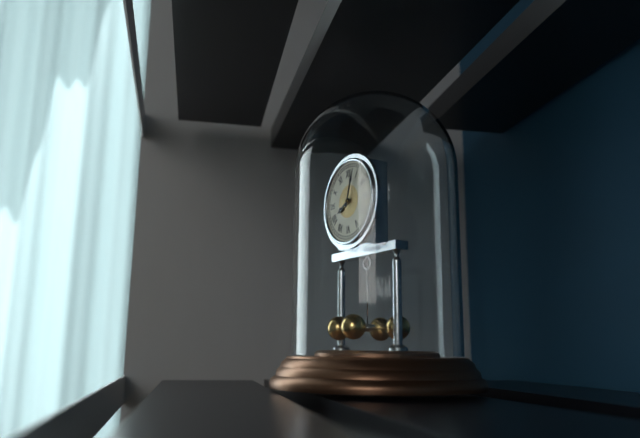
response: 8h03
